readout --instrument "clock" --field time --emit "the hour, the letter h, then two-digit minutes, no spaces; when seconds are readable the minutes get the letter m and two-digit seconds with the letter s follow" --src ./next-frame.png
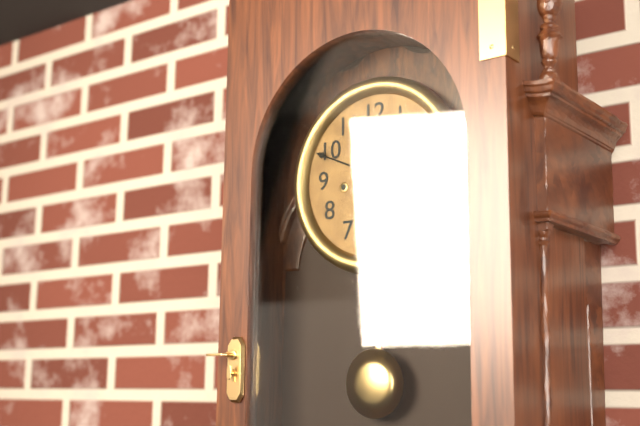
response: 1h49
